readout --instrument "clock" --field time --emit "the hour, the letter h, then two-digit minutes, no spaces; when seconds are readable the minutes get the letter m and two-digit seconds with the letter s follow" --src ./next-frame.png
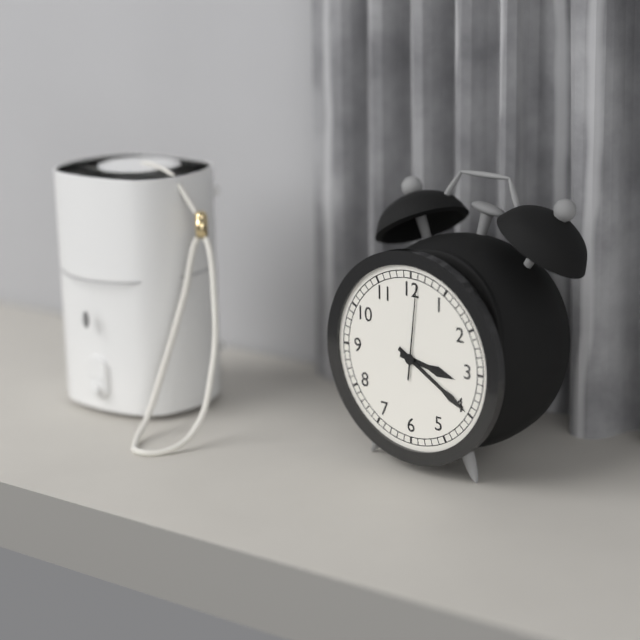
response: 3h20m01s
